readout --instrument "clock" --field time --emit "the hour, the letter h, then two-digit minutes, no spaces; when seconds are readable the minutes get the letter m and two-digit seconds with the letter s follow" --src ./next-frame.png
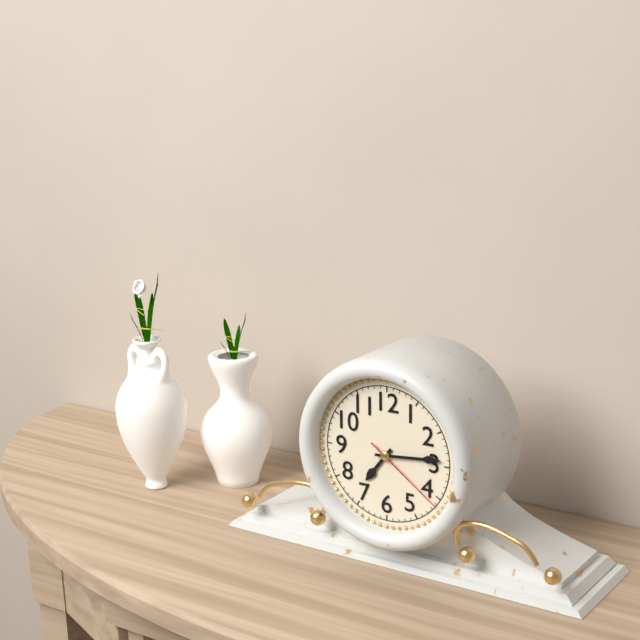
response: 7h14m21s
